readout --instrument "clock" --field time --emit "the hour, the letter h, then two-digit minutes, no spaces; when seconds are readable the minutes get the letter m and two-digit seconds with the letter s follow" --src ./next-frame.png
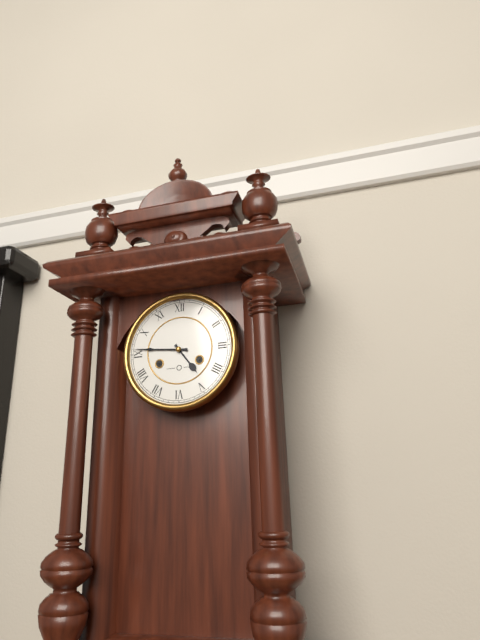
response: 4h46
